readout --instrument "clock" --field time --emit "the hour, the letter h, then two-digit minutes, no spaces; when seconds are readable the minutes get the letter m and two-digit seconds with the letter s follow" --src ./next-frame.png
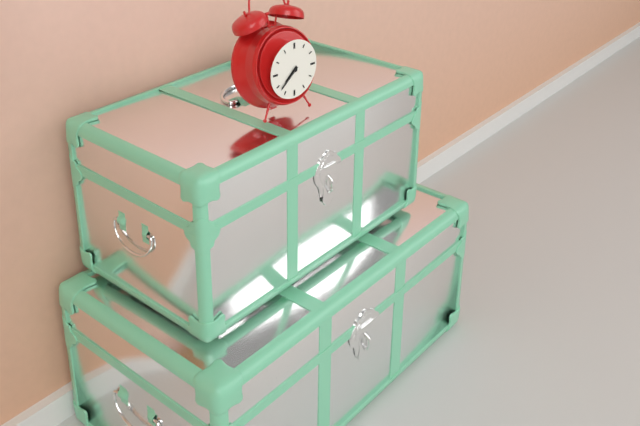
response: 7h38
